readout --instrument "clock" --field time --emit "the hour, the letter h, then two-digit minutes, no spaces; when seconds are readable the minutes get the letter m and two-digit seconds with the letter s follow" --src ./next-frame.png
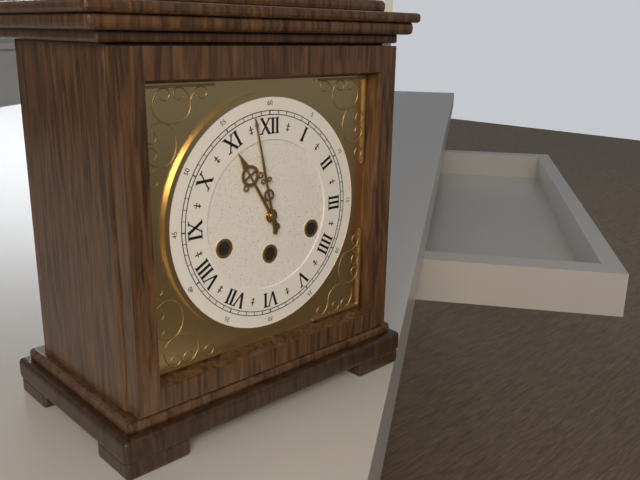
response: 10h58
